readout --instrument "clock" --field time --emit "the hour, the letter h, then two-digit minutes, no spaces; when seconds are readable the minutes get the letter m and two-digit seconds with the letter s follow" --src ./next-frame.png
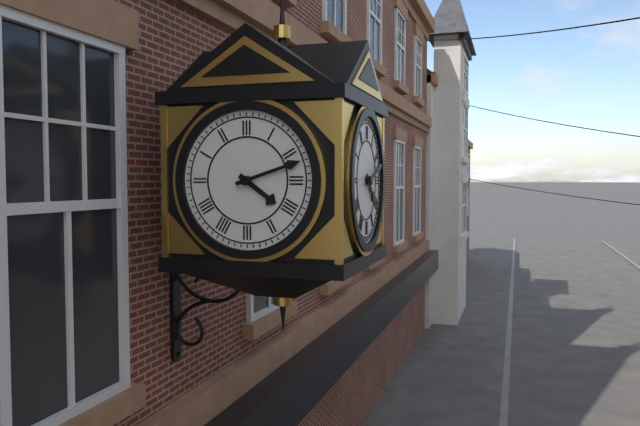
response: 4h12
